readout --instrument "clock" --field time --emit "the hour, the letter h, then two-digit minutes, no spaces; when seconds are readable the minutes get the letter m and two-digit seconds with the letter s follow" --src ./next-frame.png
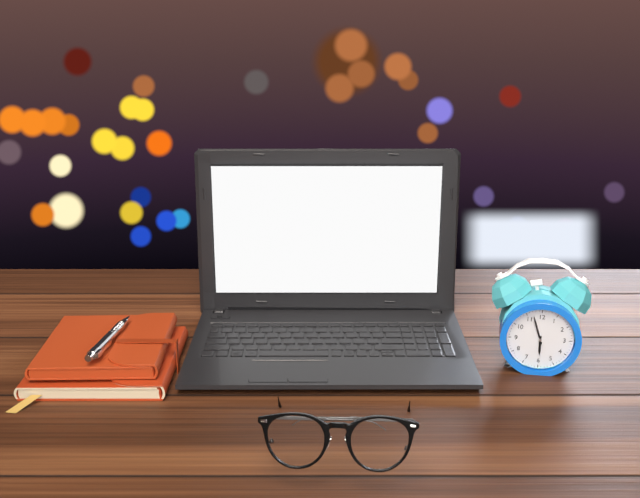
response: 5h57
